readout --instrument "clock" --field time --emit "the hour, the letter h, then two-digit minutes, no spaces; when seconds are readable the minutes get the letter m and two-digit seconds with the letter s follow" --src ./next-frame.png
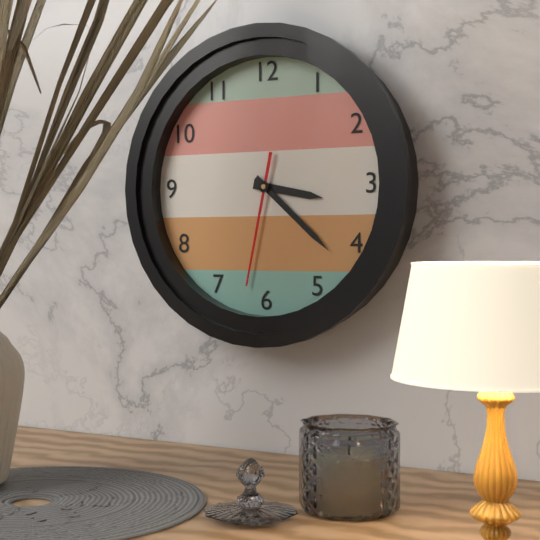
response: 3h22m32s
